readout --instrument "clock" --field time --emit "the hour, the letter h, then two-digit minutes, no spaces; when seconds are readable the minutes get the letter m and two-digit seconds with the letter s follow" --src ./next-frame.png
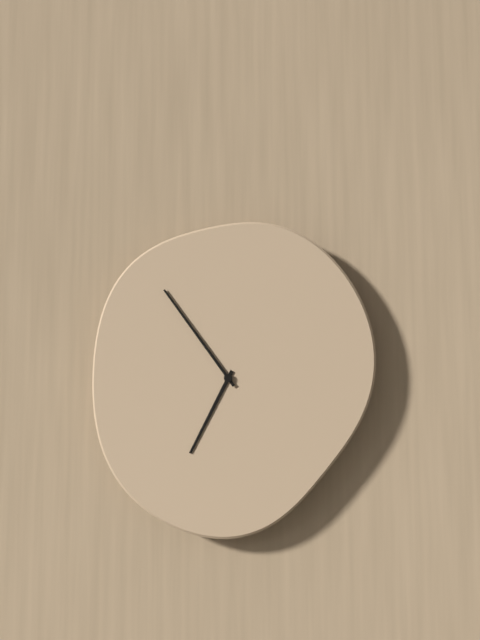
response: 6h54
